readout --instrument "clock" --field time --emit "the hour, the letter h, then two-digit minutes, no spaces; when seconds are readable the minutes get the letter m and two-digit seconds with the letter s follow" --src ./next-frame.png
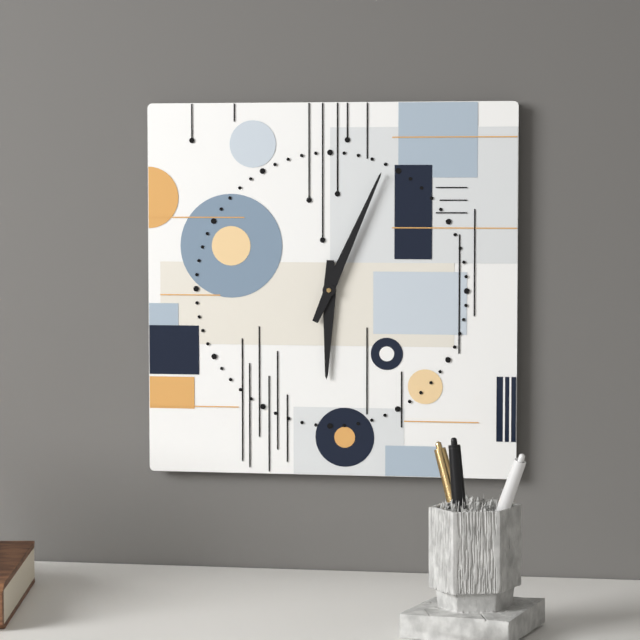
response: 6h04
